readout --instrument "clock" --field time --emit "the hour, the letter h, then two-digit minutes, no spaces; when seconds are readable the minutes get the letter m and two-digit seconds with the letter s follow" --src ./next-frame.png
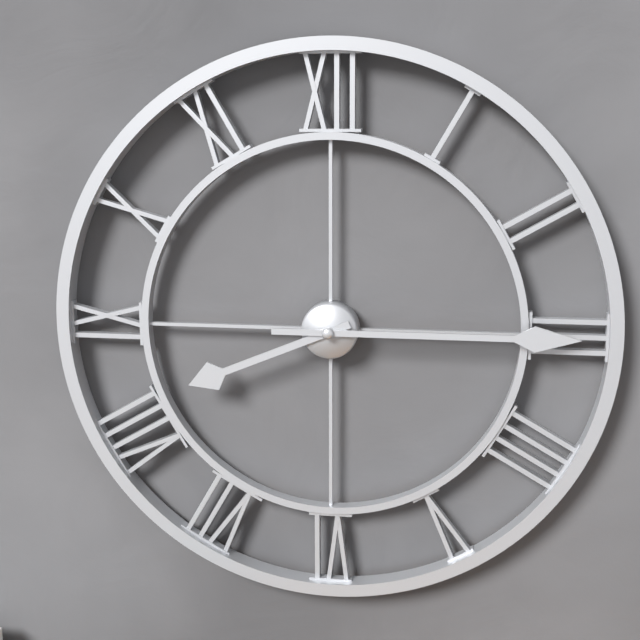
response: 8h15
